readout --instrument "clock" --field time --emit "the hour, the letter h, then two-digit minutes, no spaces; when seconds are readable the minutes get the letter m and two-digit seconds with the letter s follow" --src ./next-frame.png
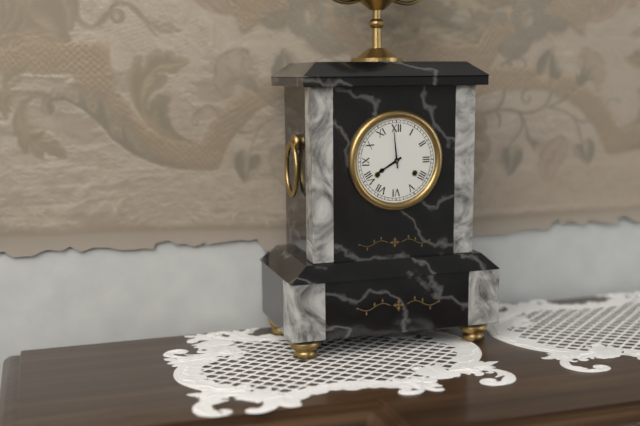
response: 7h59
